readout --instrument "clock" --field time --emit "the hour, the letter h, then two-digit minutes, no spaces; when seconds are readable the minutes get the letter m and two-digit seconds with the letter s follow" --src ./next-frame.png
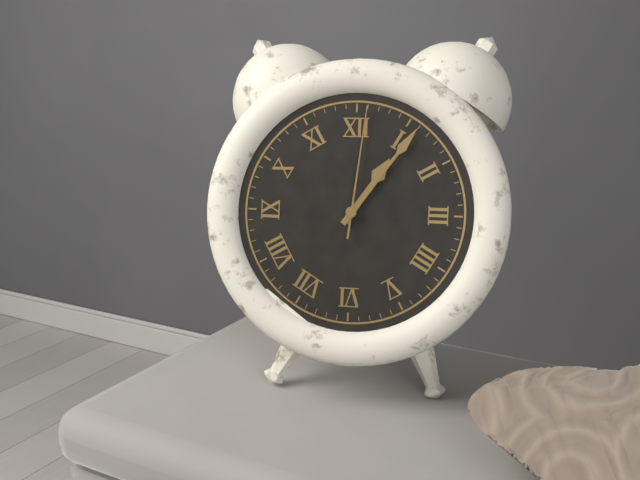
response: 1h06m01s
